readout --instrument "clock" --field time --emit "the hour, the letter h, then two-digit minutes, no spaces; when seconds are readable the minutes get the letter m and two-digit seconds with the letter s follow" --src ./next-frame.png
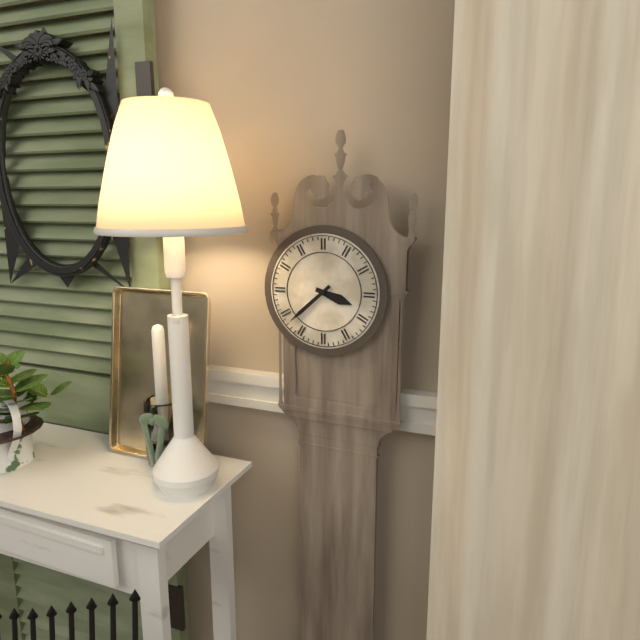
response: 3h38
